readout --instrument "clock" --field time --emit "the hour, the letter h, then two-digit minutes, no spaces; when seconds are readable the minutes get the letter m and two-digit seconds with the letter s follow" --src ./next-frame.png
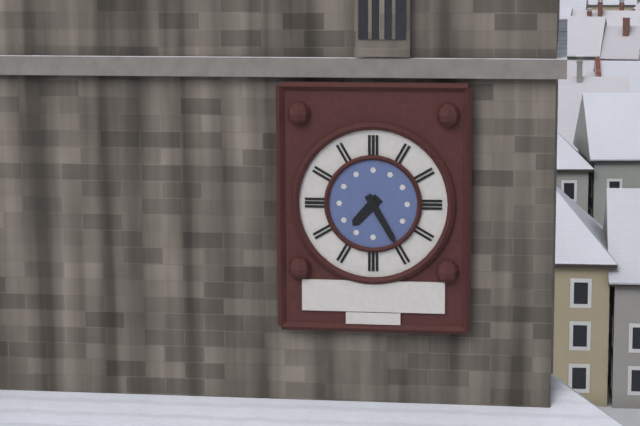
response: 7h25
